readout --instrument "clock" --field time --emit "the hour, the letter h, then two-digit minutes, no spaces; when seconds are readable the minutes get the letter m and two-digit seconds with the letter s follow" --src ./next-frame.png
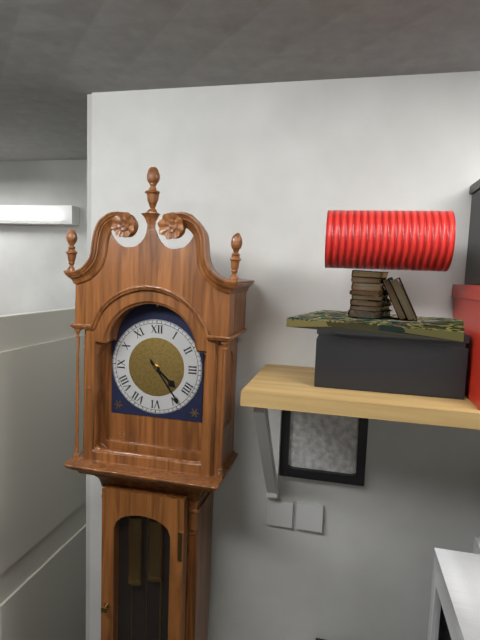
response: 4h24
